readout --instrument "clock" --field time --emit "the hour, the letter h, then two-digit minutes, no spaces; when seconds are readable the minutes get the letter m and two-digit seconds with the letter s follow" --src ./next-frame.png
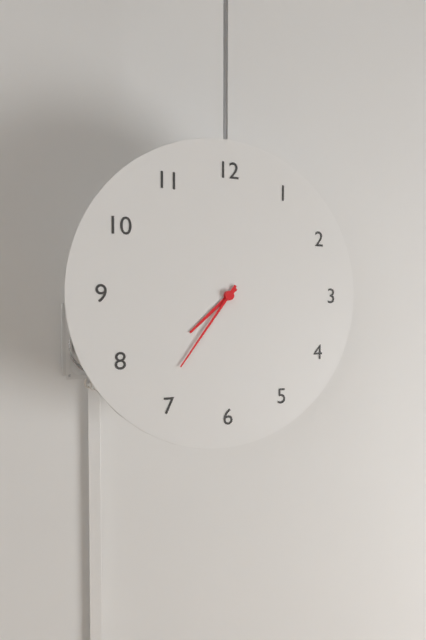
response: 7h36
